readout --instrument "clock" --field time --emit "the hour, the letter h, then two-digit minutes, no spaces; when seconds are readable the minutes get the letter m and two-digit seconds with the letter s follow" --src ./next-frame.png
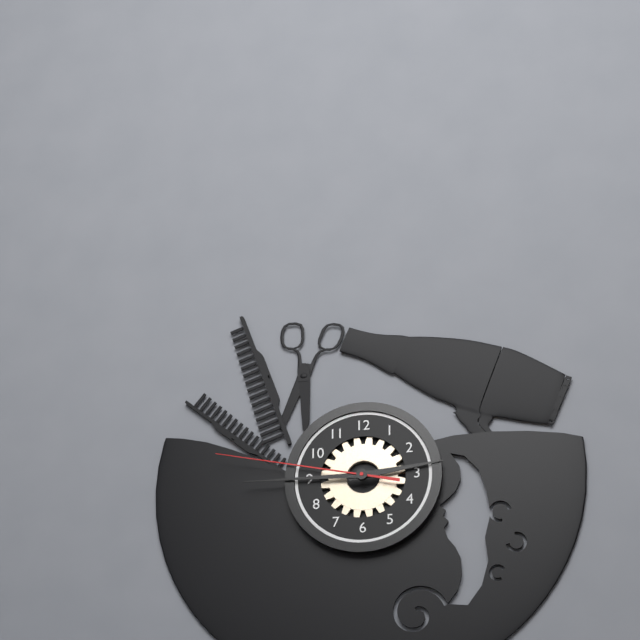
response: 2h45m47s
